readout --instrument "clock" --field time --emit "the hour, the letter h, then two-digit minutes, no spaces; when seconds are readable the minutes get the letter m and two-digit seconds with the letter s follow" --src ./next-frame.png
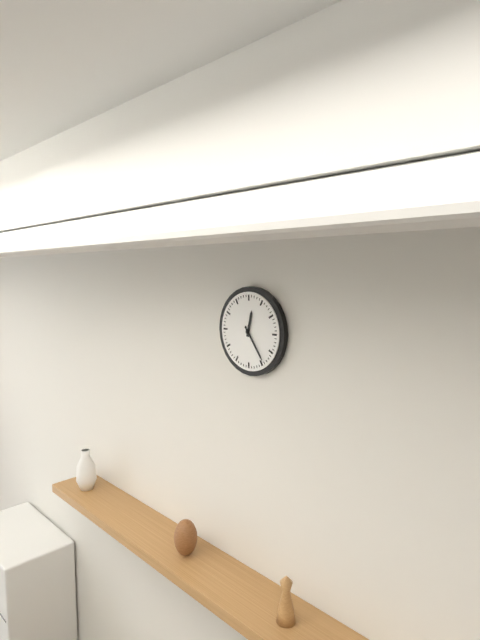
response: 12h24
